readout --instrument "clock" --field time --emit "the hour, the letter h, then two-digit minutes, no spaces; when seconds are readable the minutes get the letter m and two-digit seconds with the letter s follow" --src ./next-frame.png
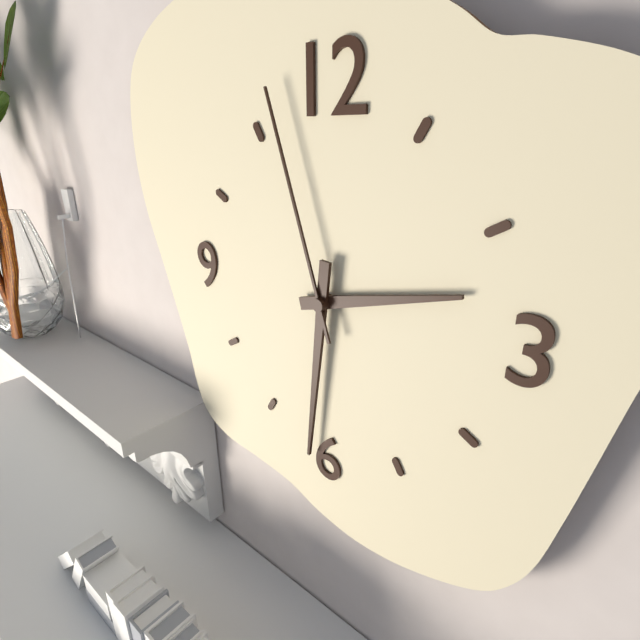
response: 2h31m57s
